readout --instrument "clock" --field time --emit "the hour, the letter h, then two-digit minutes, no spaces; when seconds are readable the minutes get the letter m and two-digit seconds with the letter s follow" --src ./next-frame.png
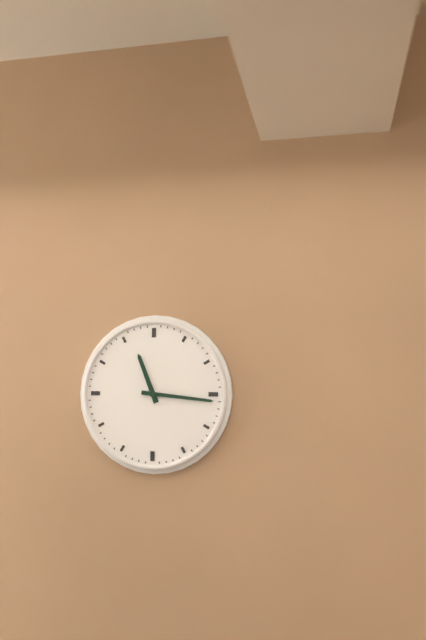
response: 11h16
